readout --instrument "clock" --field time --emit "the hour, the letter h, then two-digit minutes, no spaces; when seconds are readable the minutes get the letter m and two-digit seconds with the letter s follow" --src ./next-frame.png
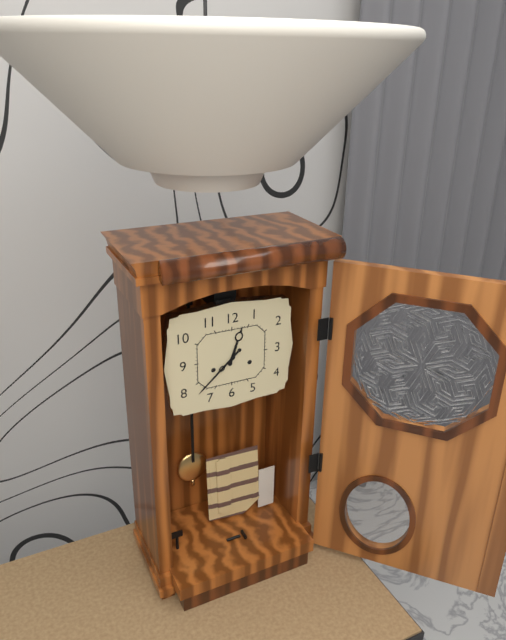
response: 12h38
